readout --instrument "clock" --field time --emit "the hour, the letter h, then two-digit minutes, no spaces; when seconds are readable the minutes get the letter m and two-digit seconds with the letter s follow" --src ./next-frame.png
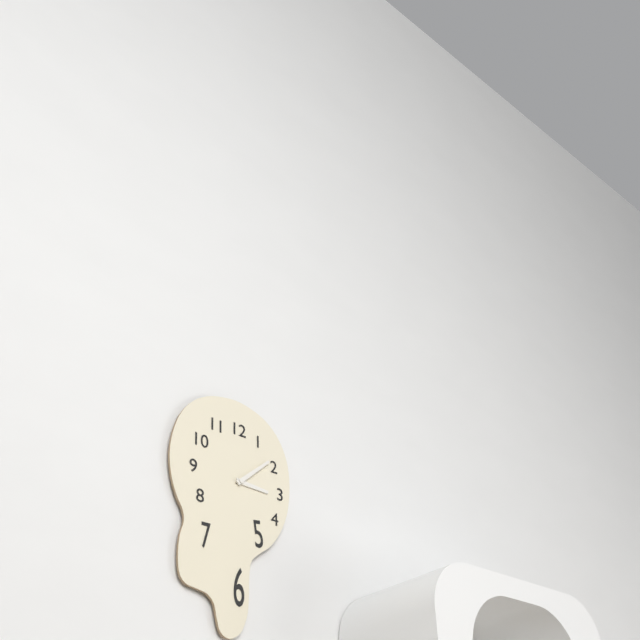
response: 3h08
